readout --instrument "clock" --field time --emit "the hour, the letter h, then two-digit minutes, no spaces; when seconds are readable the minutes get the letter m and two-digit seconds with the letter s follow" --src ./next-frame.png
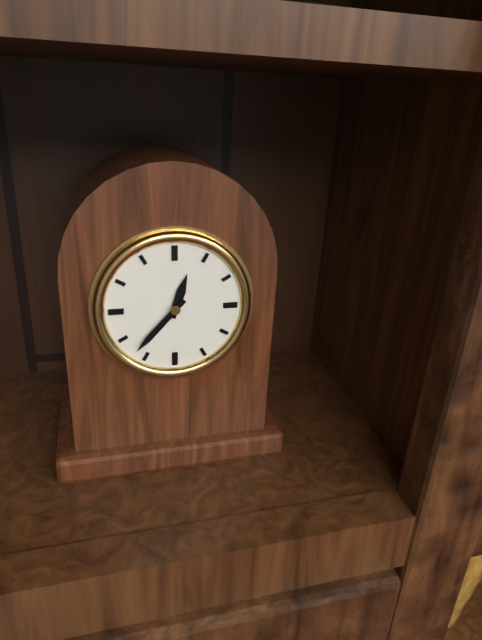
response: 12h37
